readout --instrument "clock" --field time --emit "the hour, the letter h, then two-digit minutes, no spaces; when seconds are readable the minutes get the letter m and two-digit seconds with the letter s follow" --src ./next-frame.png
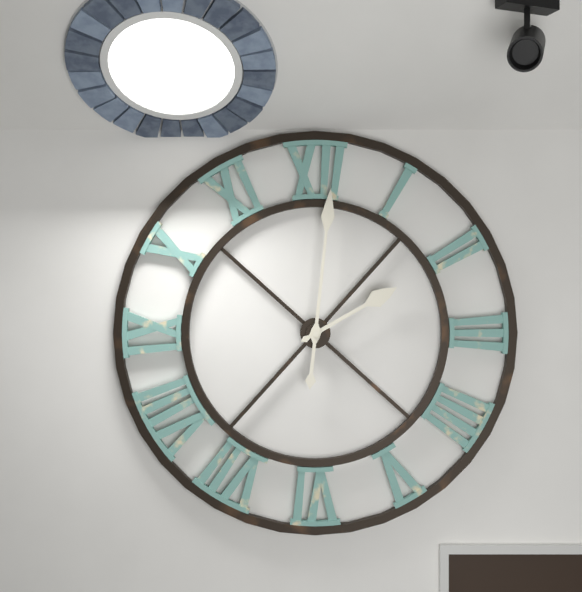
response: 2h01
